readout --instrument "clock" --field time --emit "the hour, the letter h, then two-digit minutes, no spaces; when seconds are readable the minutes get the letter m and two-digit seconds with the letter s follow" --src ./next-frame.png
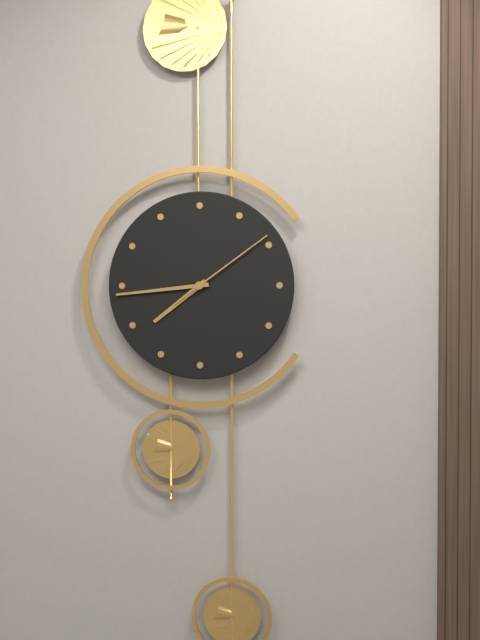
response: 7h44m09s
